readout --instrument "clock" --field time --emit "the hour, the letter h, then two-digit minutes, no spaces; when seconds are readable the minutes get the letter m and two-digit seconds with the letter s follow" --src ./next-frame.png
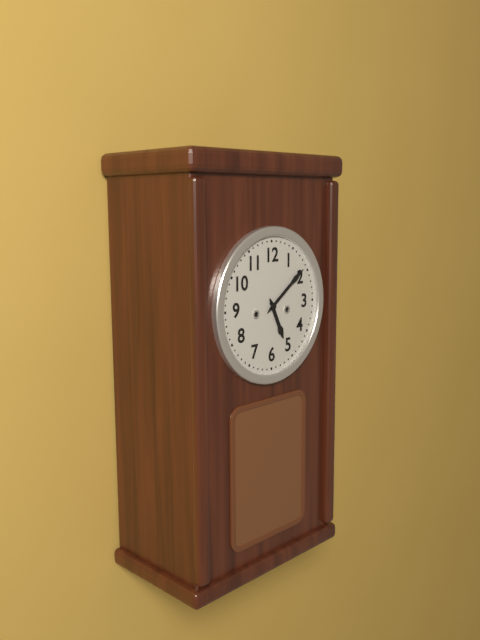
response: 5h09
